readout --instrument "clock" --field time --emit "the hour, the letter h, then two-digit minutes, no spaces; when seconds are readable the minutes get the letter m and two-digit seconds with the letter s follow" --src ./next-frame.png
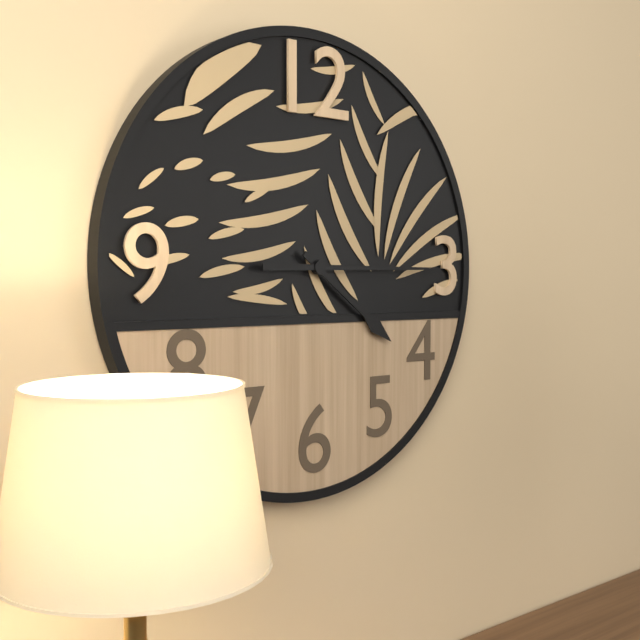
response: 4h15
